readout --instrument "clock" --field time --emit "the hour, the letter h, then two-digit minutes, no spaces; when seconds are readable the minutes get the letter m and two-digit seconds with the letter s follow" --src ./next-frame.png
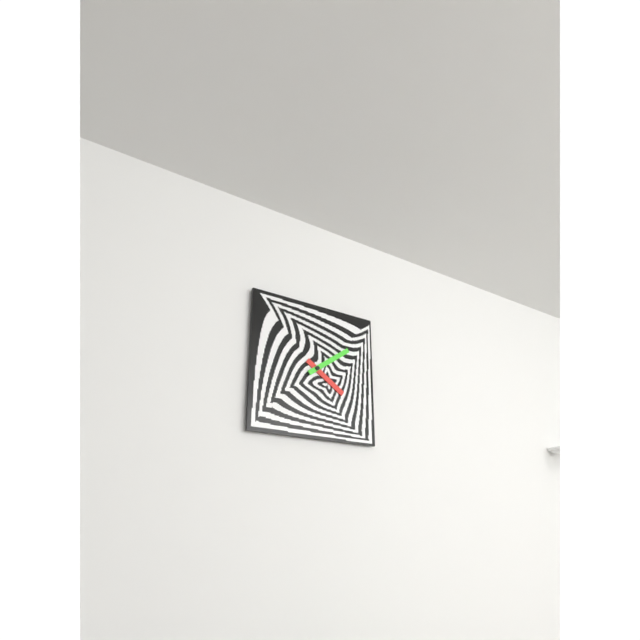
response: 4h09
